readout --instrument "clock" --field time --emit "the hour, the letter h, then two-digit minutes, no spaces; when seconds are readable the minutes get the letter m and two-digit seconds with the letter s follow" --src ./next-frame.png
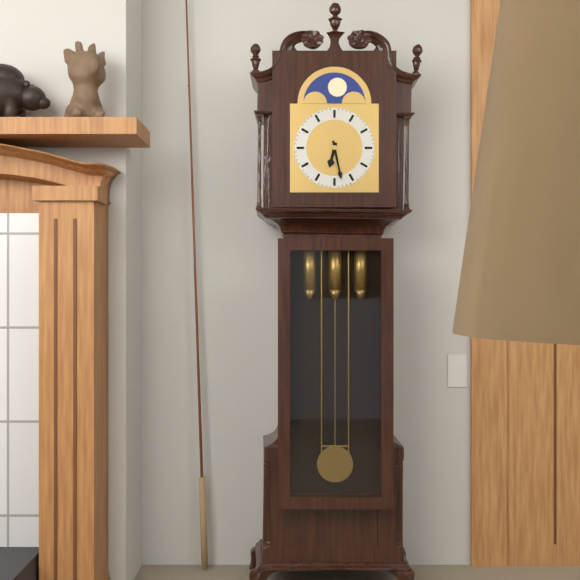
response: 6h28
